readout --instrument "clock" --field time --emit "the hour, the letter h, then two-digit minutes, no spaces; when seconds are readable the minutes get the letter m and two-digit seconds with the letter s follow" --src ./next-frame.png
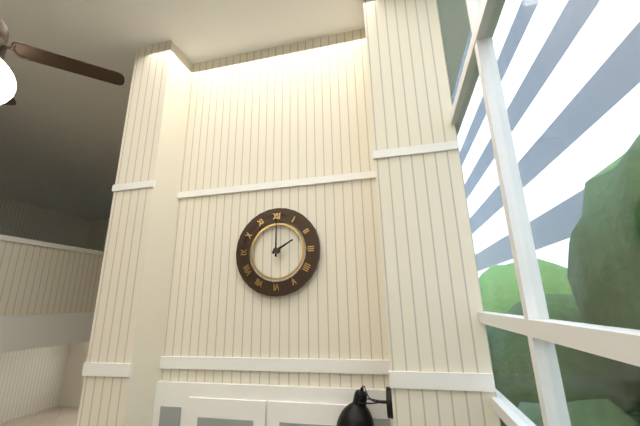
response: 2h00
